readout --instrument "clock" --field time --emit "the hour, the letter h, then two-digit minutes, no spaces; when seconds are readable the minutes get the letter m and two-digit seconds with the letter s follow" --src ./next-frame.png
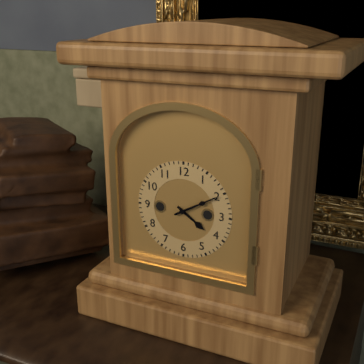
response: 4h10
